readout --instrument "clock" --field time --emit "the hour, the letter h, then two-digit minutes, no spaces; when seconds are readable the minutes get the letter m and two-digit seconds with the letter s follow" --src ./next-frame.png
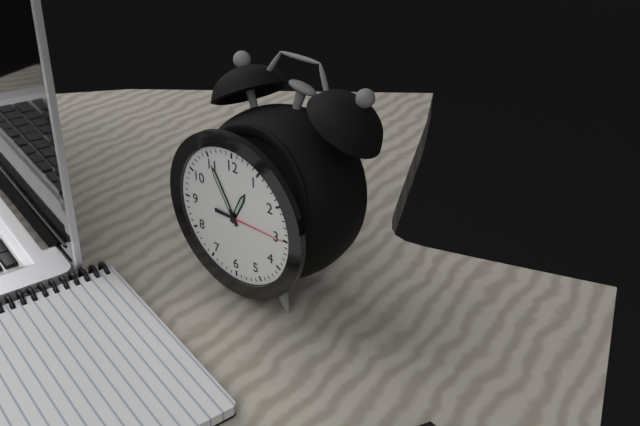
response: 12h55m15s
